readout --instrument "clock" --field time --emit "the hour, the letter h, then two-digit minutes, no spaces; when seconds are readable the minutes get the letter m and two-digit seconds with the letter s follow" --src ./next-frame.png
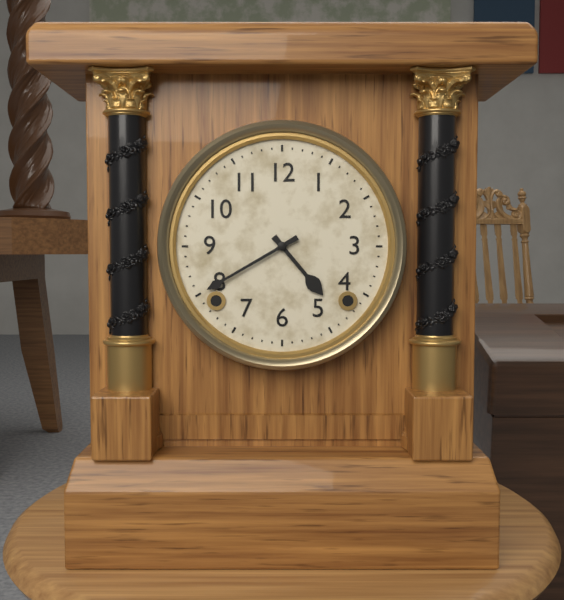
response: 4h40
